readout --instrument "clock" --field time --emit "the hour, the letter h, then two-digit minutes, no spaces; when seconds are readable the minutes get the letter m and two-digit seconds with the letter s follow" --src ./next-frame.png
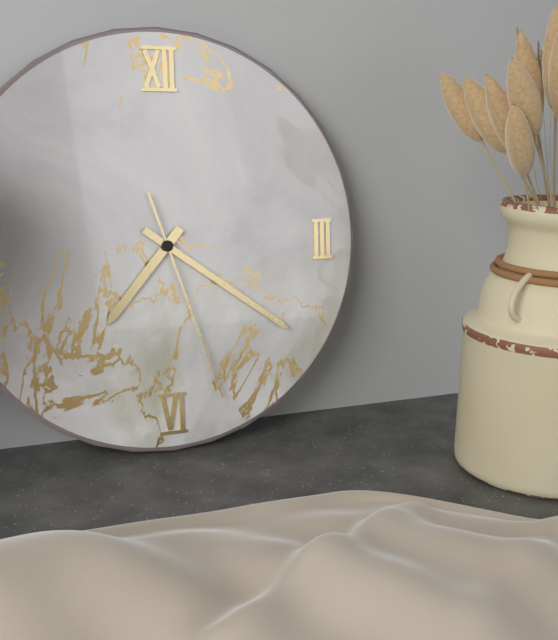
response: 7h21m27s
